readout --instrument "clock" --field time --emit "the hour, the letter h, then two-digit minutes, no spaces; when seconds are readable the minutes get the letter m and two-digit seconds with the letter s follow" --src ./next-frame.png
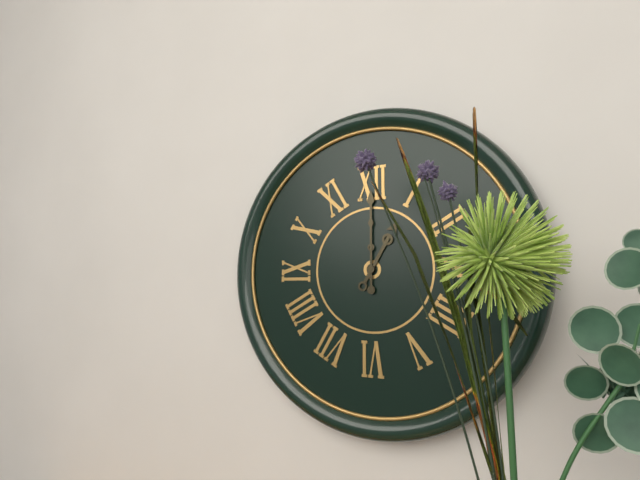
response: 1h00
